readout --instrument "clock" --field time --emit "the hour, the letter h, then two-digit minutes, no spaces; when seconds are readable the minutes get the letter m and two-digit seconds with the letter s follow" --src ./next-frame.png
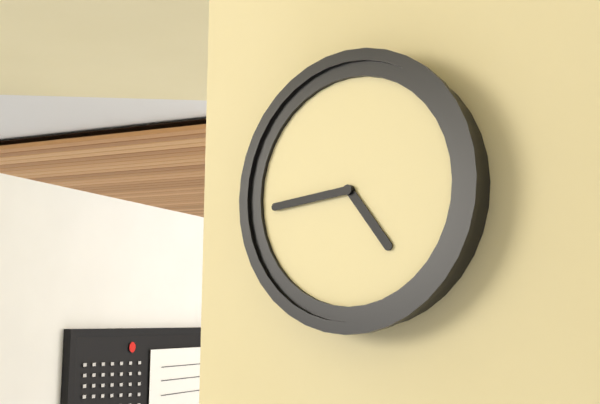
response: 4h44
